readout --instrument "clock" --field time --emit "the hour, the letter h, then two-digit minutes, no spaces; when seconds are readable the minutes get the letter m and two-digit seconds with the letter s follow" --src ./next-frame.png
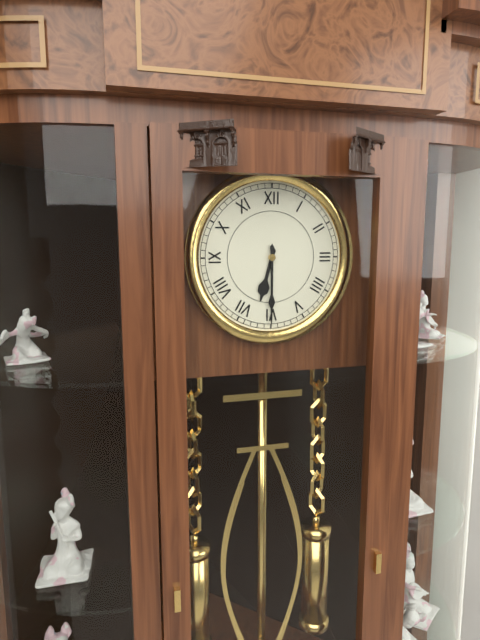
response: 6h30
